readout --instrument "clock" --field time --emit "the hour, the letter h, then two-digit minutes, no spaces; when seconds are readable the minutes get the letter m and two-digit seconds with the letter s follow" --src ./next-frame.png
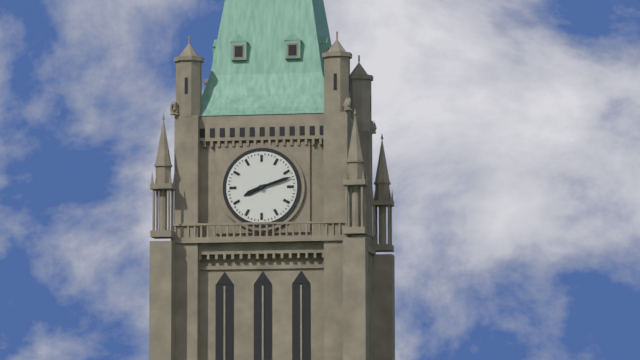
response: 8h12
